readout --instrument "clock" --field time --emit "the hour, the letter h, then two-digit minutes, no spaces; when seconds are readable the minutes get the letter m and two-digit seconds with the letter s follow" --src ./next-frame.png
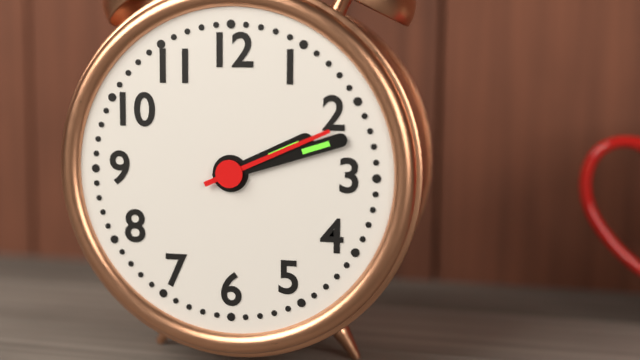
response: 2h12m11s
